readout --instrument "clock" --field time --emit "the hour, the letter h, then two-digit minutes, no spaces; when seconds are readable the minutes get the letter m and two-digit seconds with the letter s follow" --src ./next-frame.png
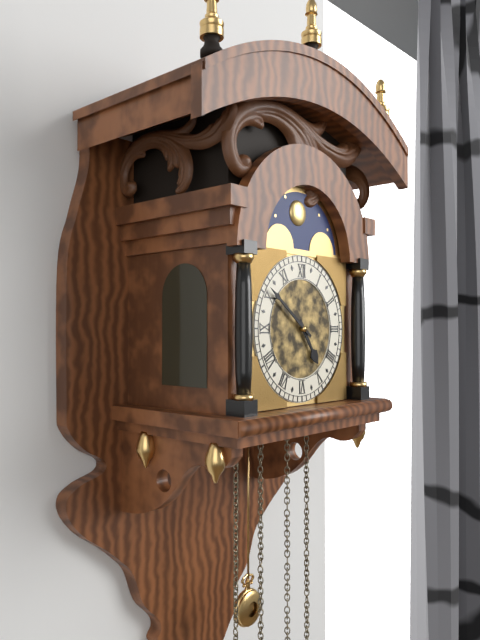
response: 4h51
